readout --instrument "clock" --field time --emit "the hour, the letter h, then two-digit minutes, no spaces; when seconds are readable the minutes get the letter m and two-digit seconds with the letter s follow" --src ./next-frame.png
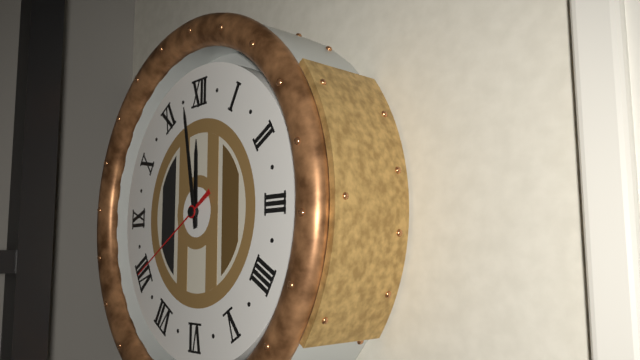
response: 11h58m40s
